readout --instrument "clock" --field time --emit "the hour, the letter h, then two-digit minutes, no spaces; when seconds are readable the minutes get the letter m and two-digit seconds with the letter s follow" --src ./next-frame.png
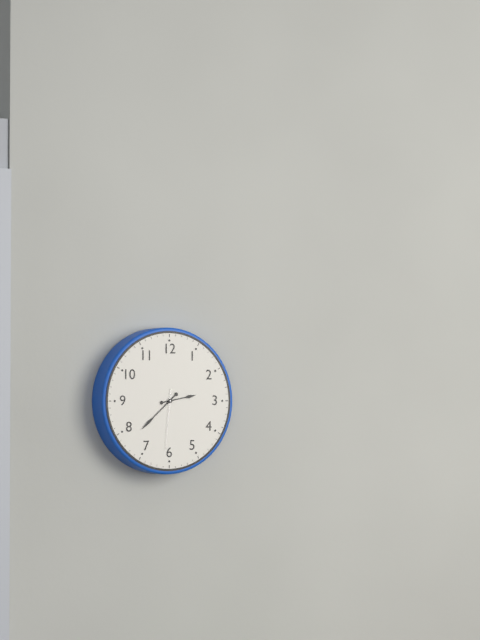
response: 2h38m31s
